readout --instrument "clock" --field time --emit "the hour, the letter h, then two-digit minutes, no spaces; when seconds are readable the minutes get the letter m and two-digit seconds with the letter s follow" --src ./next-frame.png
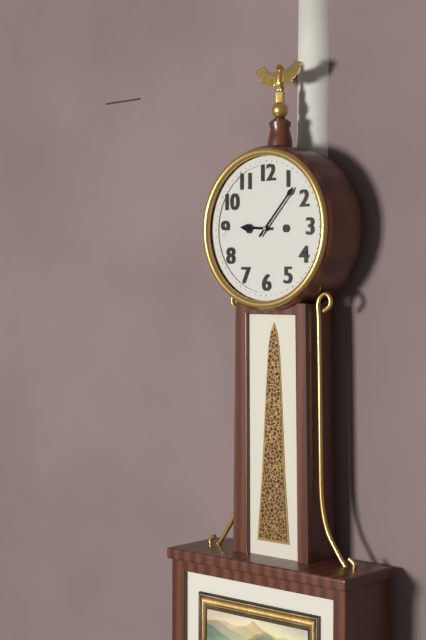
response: 9h07
